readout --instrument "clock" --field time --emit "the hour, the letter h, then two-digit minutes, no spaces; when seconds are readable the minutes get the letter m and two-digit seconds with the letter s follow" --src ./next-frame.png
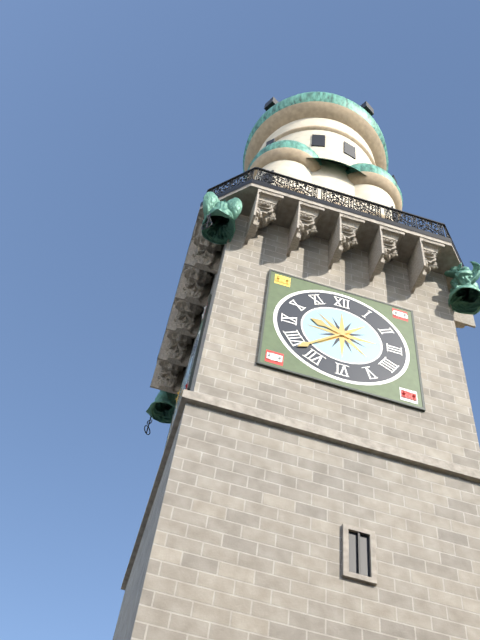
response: 9h38
